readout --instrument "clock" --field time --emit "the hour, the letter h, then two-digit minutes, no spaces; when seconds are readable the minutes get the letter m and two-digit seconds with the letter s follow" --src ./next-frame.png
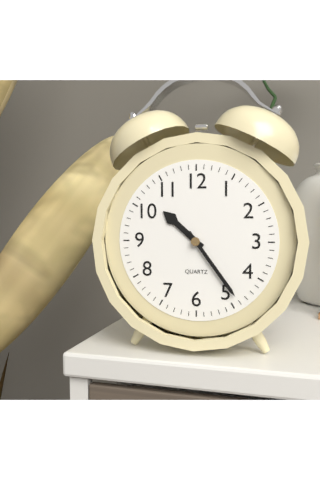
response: 10h24
